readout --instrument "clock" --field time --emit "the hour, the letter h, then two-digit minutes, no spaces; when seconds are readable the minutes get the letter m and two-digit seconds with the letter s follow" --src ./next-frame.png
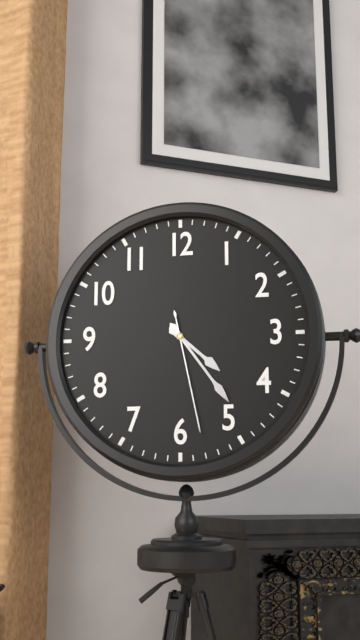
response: 4h24m28s
